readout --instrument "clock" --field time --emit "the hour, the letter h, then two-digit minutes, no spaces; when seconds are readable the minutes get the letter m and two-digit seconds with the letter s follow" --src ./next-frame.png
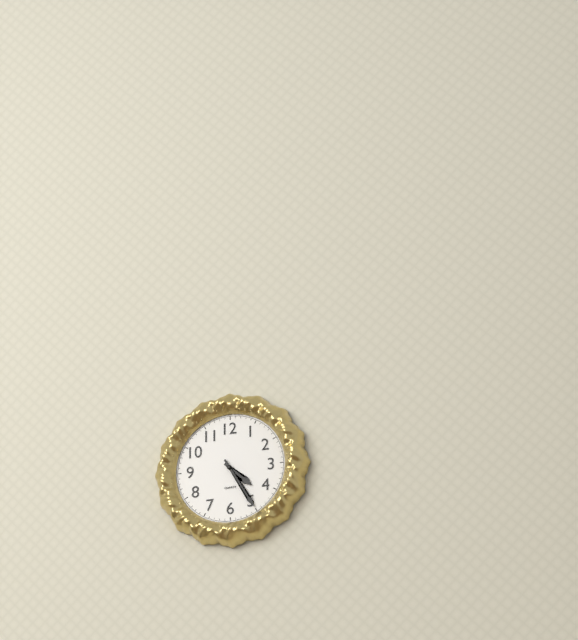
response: 4h25
